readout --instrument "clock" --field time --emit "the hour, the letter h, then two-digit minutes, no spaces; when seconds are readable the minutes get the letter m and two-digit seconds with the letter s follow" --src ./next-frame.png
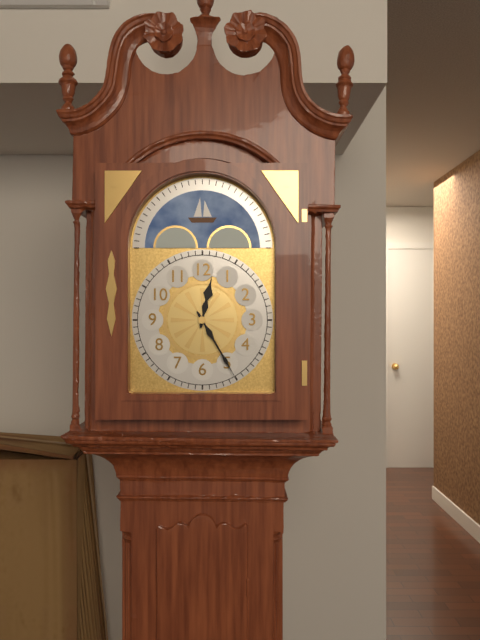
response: 12h25
